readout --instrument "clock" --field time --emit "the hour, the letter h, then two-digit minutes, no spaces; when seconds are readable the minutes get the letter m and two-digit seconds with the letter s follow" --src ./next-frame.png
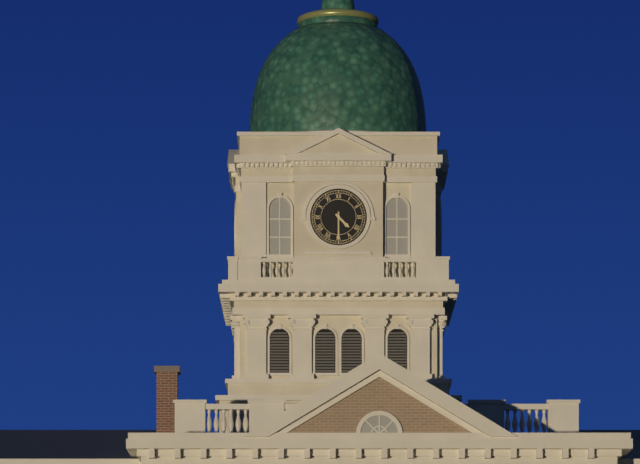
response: 4h30
